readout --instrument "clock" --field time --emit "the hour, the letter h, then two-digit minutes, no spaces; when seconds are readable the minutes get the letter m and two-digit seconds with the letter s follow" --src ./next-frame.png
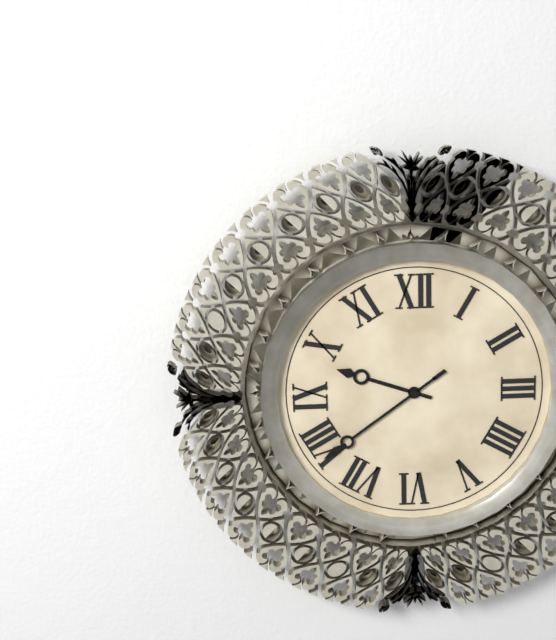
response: 9h39
